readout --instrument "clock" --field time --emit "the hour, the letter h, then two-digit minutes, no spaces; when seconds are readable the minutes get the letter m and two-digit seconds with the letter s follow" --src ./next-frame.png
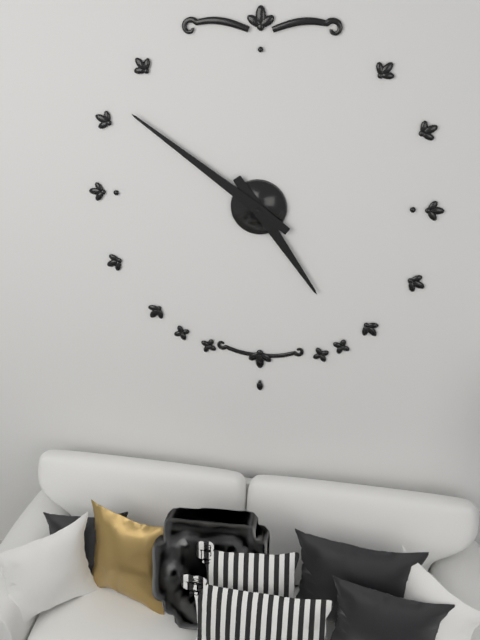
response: 4h51
